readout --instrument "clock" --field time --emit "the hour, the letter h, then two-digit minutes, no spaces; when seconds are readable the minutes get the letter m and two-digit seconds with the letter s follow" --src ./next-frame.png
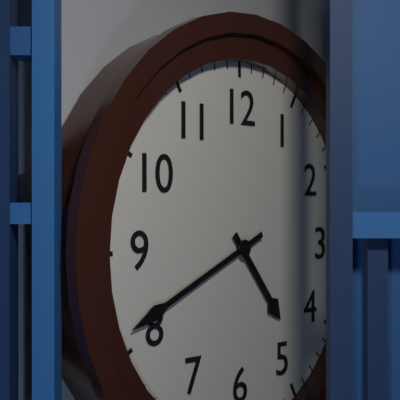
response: 4h41
